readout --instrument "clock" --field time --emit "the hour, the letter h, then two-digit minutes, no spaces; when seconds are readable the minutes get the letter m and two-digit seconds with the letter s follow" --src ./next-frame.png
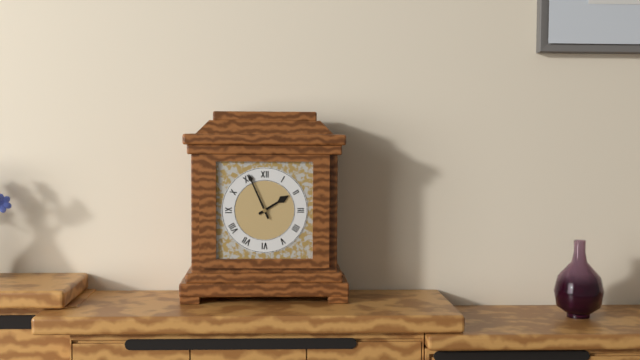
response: 1h56
